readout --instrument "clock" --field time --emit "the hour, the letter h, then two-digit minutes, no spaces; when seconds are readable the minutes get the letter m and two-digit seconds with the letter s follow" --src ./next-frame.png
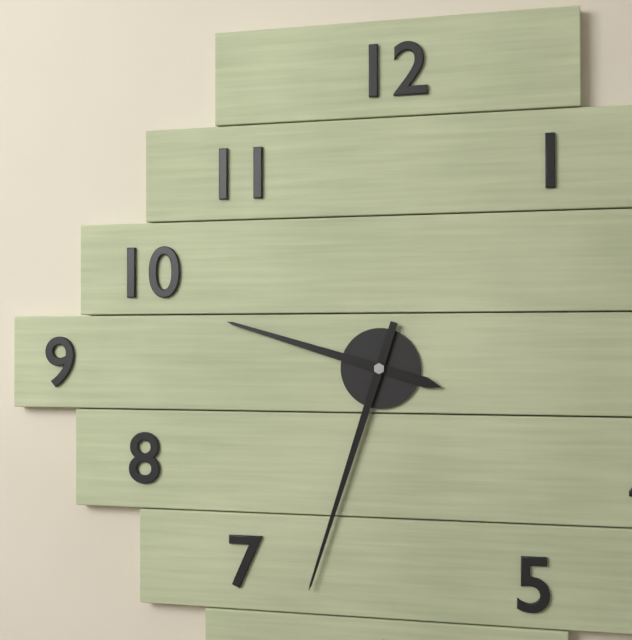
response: 9h33
